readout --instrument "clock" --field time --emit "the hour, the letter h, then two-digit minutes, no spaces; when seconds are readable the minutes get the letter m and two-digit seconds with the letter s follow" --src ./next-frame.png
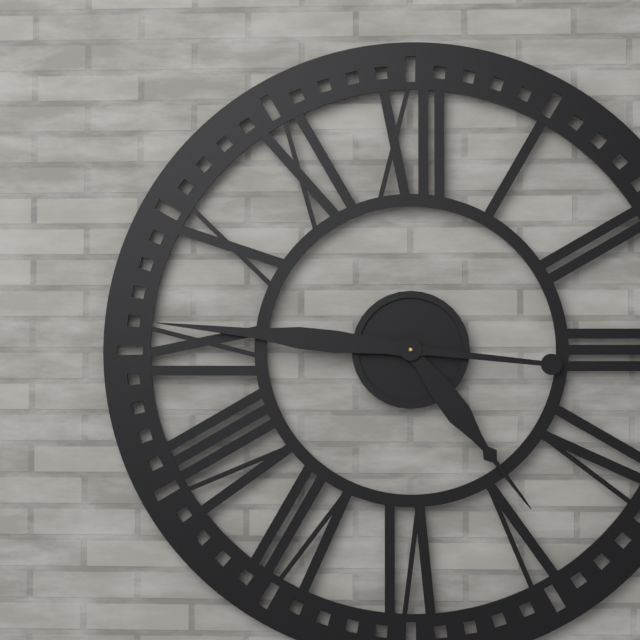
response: 4h46
